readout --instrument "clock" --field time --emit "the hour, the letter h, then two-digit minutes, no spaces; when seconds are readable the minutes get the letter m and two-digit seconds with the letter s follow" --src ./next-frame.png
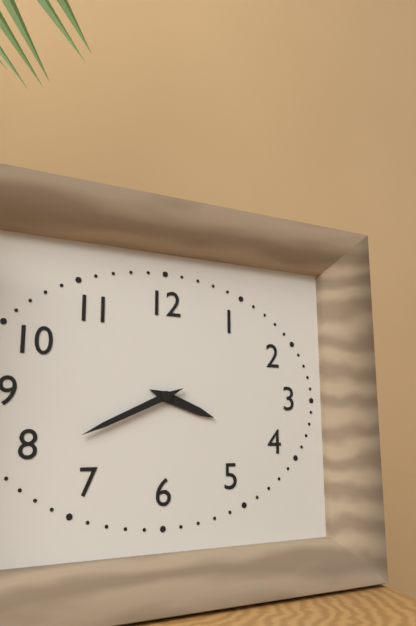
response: 3h41
